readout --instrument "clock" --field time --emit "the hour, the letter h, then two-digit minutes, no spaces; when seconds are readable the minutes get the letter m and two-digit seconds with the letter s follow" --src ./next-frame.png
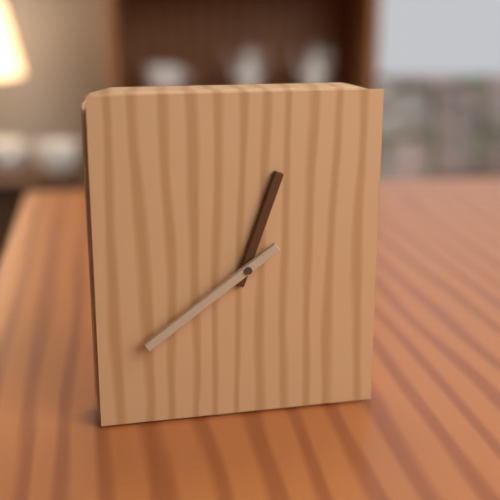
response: 12h39
